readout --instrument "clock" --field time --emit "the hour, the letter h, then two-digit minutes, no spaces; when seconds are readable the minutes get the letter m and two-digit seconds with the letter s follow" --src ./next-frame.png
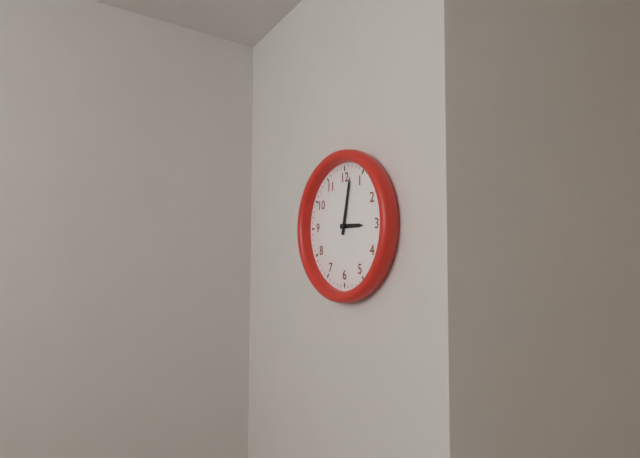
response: 3h02
